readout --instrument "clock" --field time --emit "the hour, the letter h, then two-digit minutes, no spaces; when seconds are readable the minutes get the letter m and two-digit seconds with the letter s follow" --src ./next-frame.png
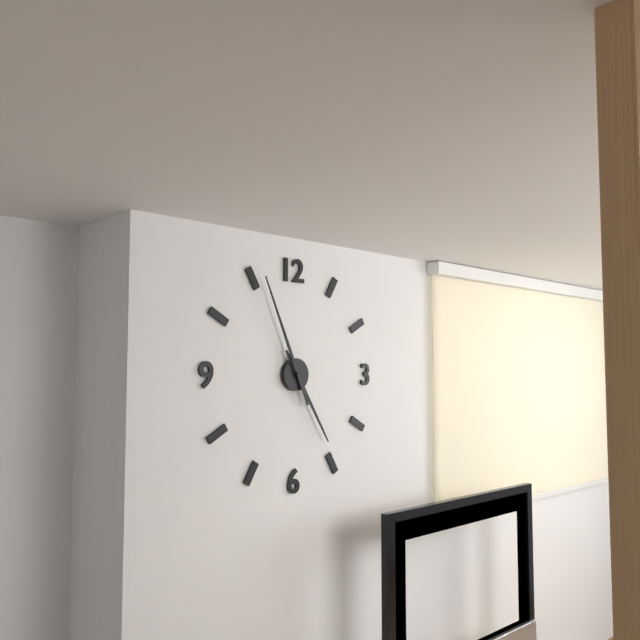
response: 4h56
